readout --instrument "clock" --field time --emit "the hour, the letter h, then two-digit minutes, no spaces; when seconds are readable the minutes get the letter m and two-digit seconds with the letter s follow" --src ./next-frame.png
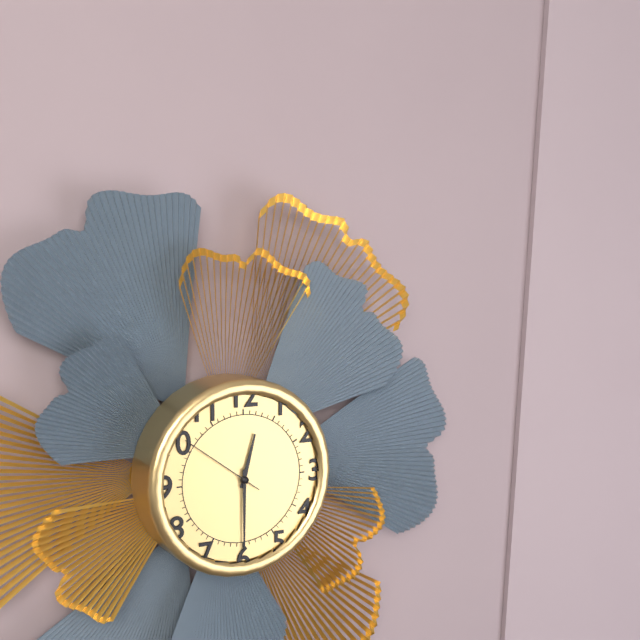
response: 12h30m51s
